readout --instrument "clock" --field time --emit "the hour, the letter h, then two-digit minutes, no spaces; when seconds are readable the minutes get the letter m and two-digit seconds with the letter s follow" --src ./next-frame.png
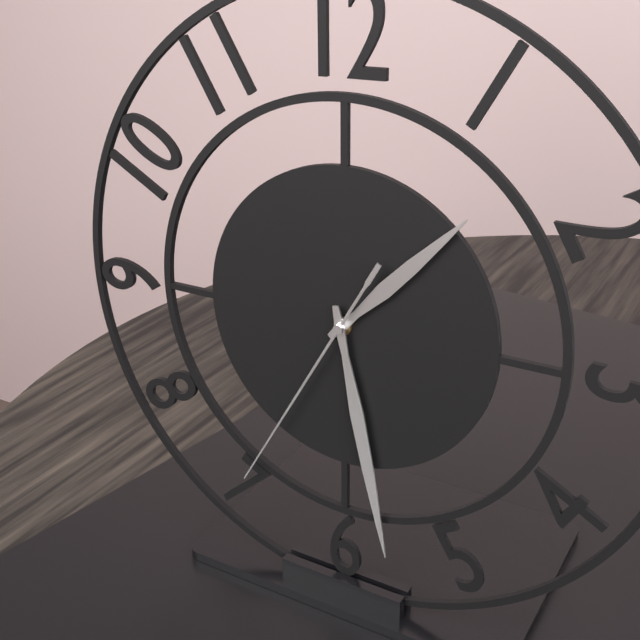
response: 1h28m35s
